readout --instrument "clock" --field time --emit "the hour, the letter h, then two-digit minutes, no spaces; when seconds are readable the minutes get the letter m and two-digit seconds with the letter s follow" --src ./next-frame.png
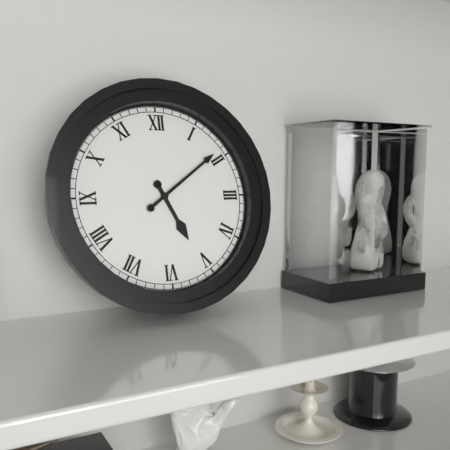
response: 5h09
